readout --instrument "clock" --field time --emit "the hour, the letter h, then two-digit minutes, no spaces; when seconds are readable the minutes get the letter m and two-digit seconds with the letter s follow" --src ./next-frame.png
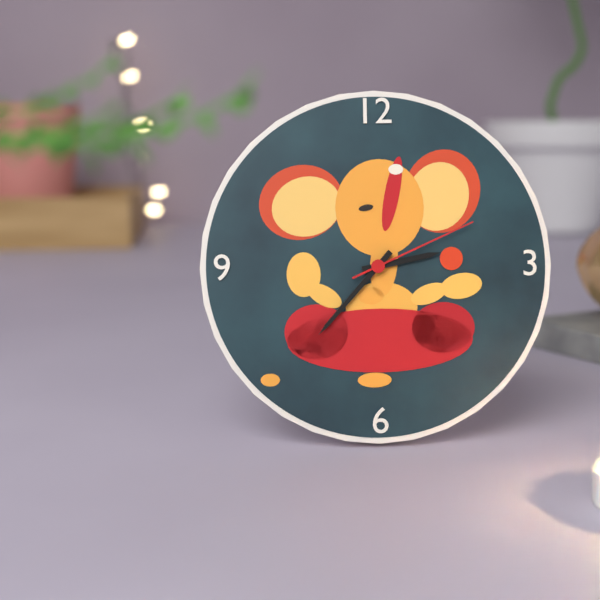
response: 2h37m11s
